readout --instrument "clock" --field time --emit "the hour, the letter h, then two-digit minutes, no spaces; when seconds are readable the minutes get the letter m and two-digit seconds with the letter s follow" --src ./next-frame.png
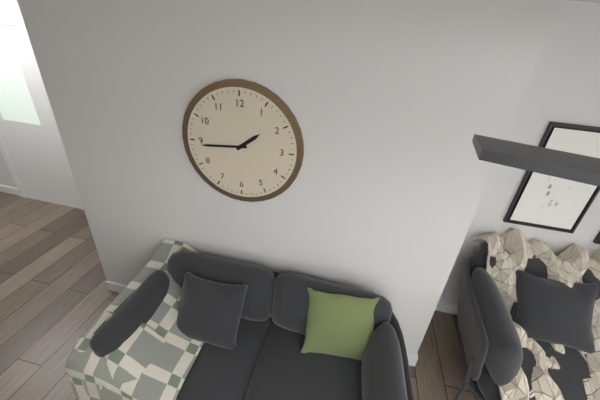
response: 1h44
